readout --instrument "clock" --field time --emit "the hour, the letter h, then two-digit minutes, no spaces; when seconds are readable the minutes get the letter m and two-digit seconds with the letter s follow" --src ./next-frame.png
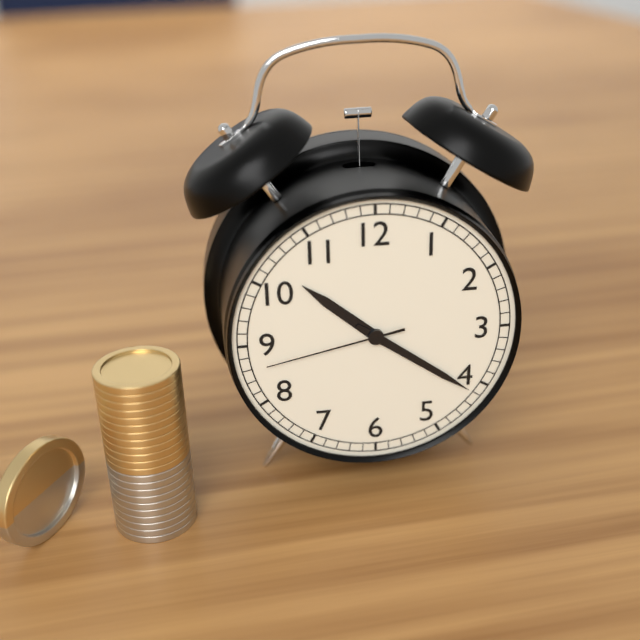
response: 10h21m43s
